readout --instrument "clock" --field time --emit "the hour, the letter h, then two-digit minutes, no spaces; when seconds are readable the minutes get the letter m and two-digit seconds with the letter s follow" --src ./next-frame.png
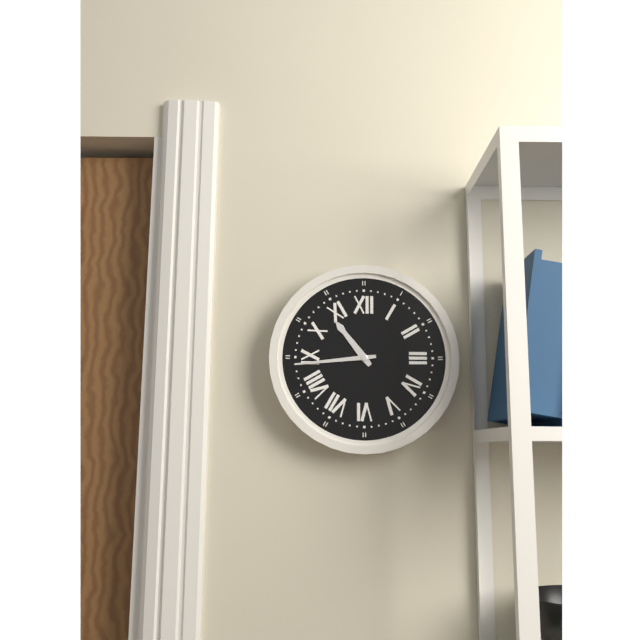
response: 10h44
